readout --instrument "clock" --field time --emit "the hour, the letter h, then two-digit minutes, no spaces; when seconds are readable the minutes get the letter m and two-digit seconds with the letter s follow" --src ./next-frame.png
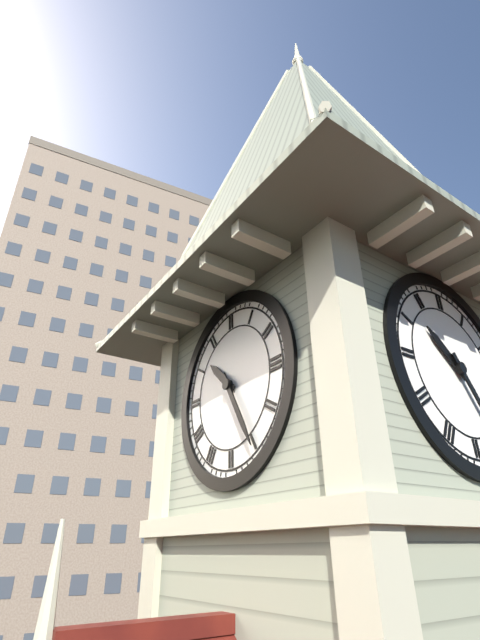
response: 10h25
